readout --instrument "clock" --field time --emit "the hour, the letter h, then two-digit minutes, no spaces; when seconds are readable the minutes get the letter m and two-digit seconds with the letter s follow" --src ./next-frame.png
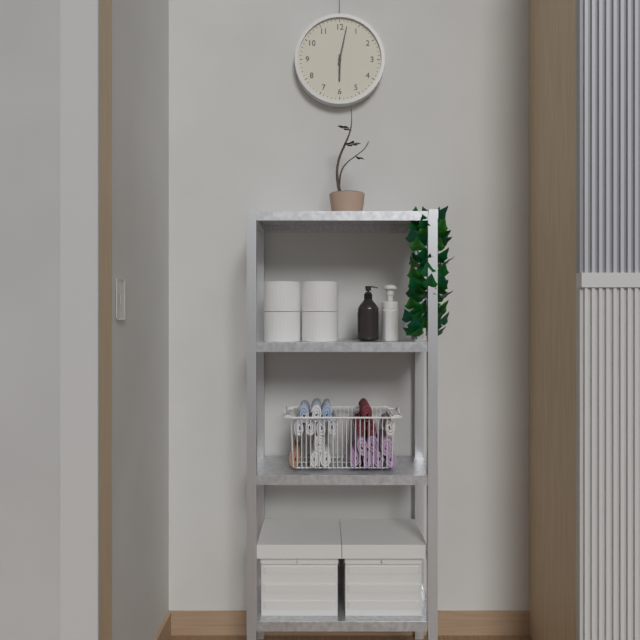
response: 6h02
